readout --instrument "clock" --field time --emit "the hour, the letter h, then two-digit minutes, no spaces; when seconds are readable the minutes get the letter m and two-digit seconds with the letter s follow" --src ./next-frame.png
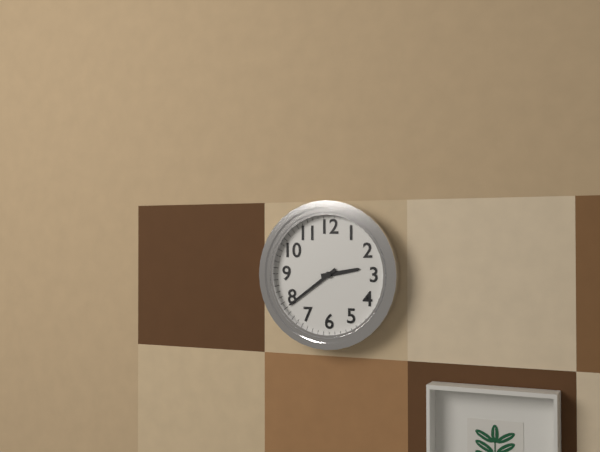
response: 2h39
